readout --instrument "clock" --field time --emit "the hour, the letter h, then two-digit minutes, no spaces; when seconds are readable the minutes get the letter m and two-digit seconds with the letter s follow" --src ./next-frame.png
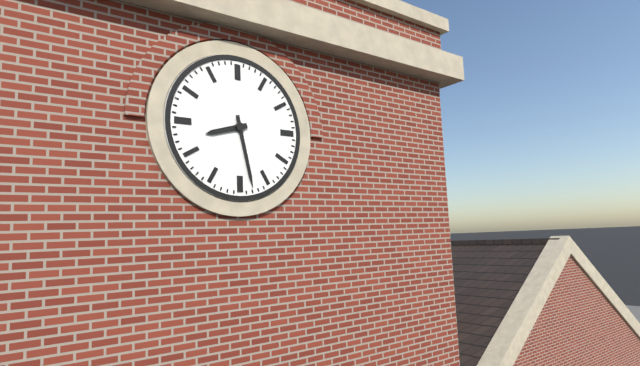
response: 8h28
